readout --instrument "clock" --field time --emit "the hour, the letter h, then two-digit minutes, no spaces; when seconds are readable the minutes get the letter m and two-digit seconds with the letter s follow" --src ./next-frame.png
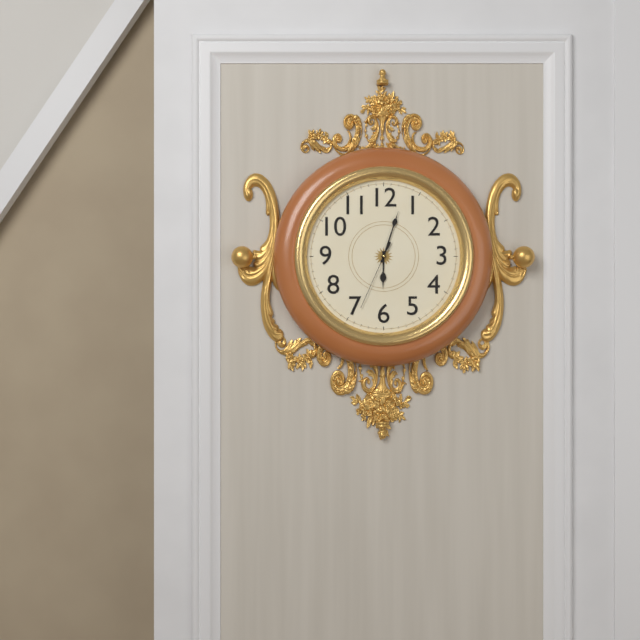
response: 6h03m34s
